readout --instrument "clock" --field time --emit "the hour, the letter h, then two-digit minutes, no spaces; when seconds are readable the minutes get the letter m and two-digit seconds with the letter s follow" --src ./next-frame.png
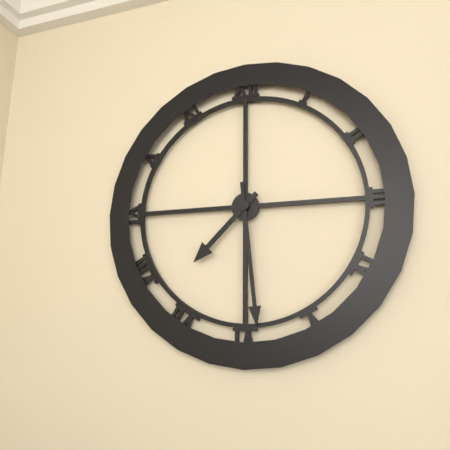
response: 7h29
